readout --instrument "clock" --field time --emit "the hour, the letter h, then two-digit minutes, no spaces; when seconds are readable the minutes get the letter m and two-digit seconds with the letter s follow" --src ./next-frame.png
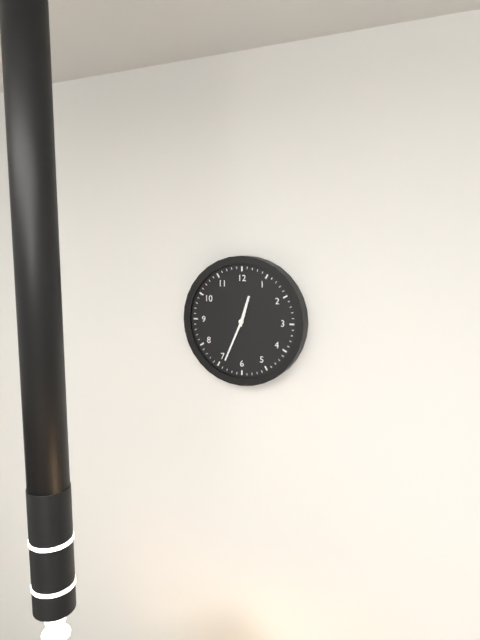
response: 12h34
